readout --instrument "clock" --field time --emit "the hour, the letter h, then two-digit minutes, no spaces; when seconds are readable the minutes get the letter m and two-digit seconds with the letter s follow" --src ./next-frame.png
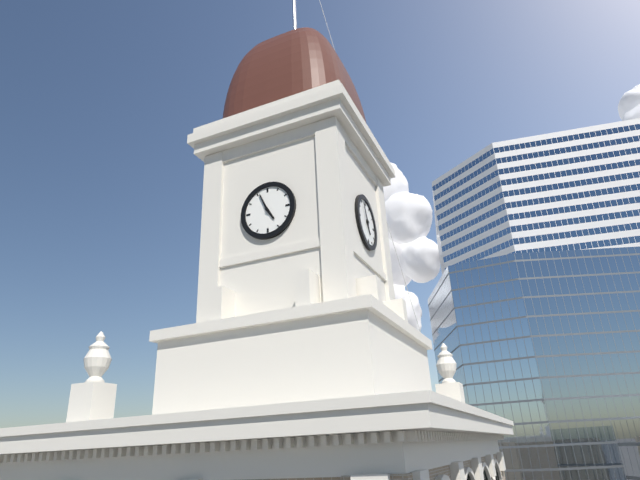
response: 4h56
